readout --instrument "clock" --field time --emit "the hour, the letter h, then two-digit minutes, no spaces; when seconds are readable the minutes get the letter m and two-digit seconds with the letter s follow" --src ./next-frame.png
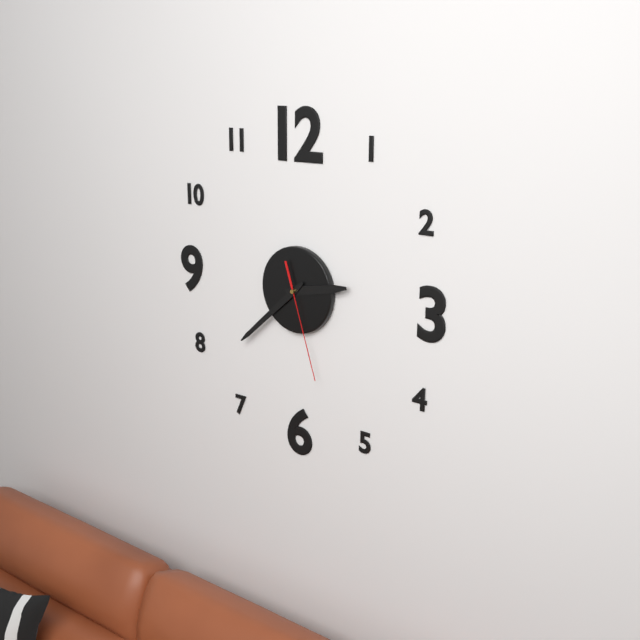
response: 2h38m27s
